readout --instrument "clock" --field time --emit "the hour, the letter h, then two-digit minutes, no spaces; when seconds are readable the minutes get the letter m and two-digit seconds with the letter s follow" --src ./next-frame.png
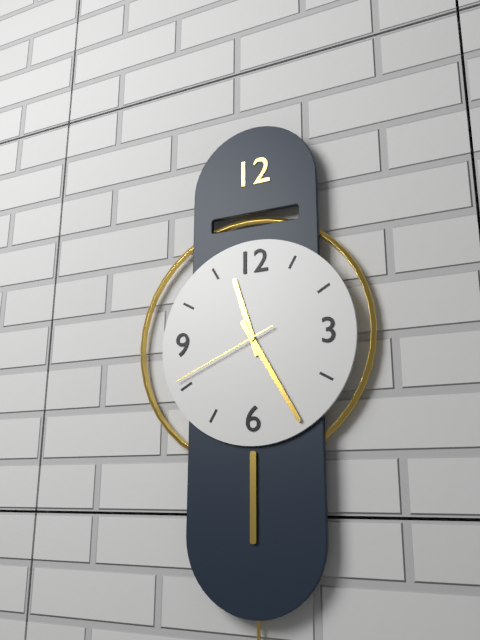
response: 11h25m41s
